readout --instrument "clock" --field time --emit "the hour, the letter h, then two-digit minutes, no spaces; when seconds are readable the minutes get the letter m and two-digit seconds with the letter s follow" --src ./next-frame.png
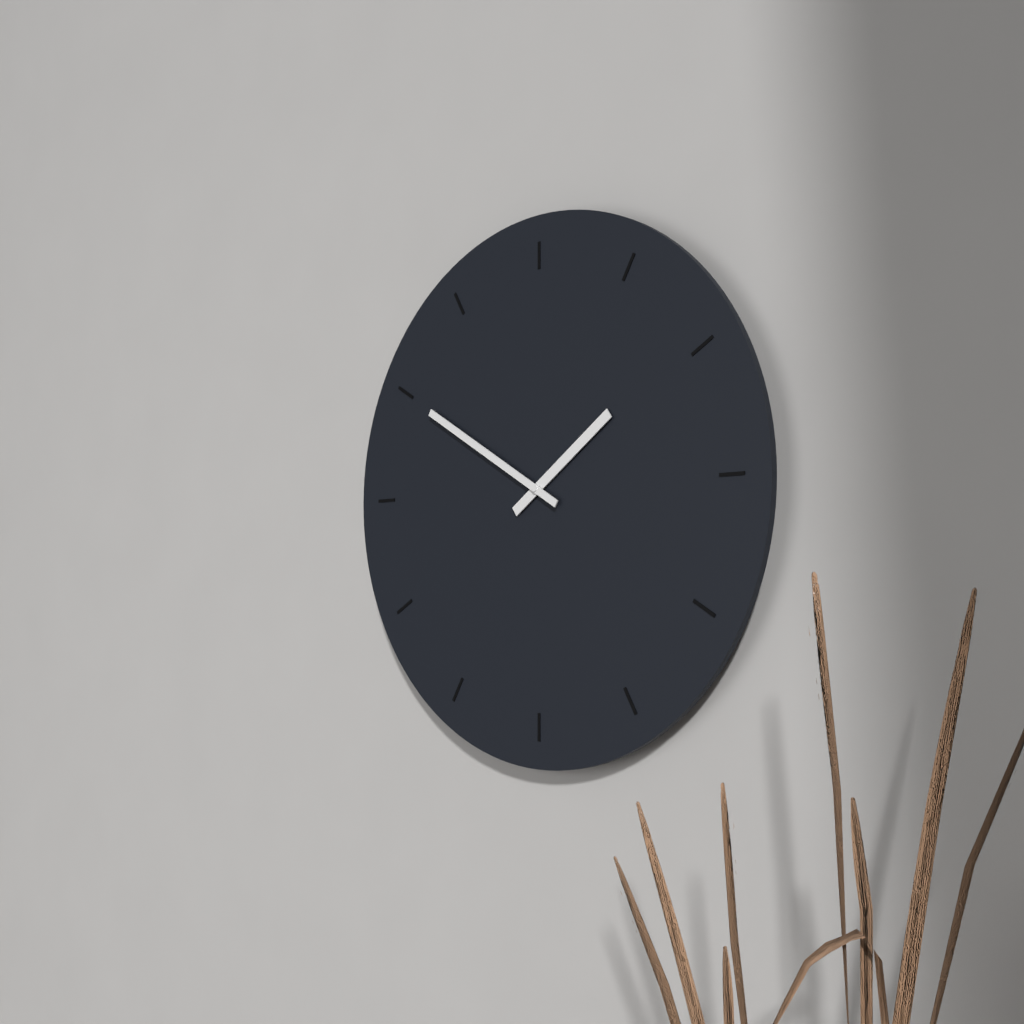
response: 1h50
